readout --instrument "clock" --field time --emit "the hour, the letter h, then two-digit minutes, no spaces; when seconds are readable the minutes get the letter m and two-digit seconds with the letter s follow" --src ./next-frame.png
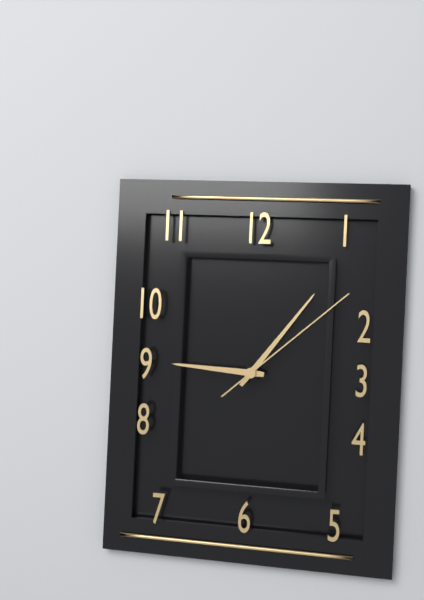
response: 9h06m08s
